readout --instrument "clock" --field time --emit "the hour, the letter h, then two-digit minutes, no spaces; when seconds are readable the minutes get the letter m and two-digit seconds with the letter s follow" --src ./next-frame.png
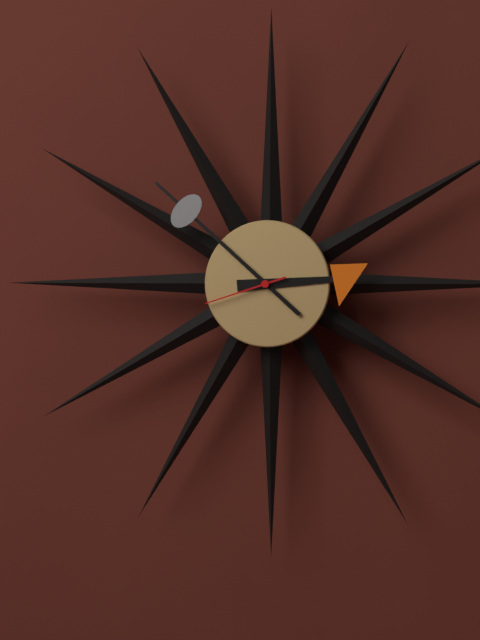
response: 2h52m42s
